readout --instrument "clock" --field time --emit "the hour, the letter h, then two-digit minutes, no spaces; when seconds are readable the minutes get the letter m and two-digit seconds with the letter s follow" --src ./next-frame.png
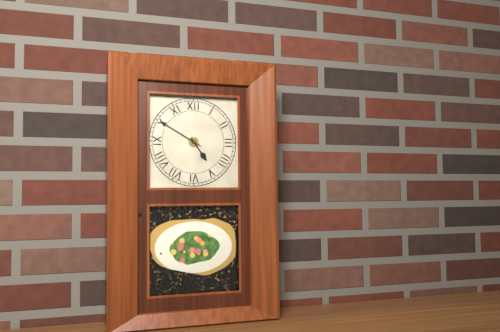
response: 4h50
